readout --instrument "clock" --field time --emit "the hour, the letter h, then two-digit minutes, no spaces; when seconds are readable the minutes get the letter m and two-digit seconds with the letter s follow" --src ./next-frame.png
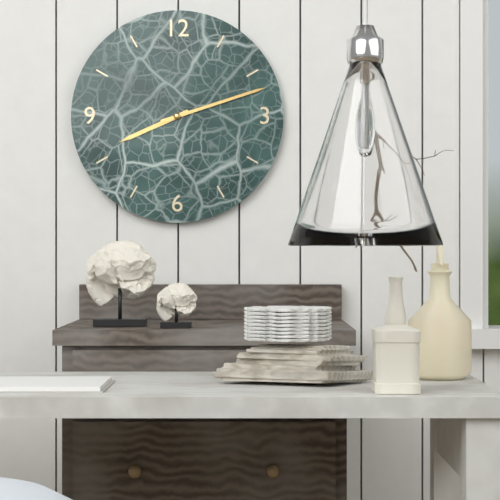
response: 8h12
